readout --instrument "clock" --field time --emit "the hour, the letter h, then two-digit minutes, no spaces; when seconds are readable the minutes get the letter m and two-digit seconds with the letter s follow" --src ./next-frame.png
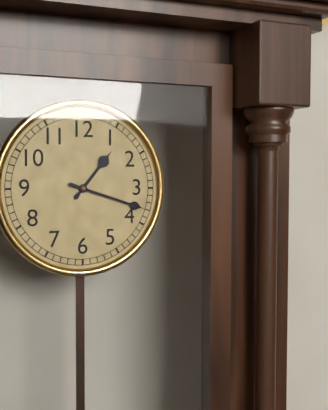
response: 1h18
